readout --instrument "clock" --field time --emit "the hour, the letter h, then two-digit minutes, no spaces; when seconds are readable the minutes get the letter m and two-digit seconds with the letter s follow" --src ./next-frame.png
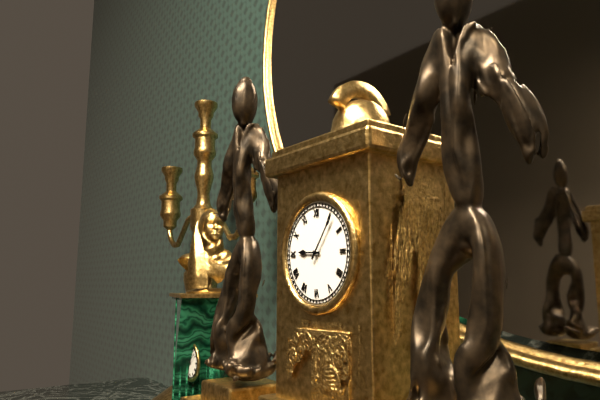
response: 9h06
